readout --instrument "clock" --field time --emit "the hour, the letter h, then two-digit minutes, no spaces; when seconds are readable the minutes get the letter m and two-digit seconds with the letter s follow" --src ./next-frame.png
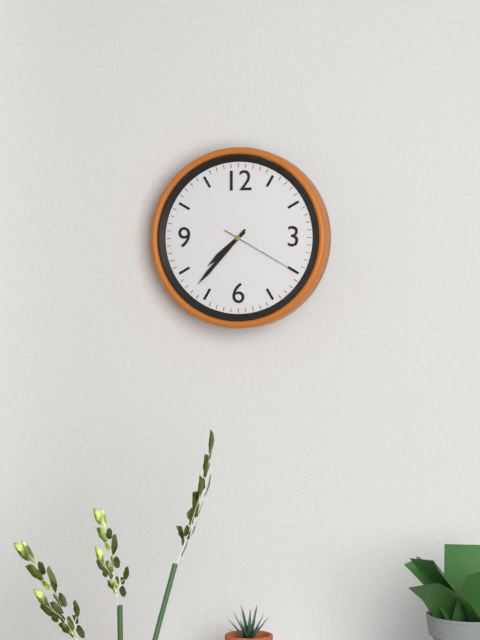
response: 7h37m20s
